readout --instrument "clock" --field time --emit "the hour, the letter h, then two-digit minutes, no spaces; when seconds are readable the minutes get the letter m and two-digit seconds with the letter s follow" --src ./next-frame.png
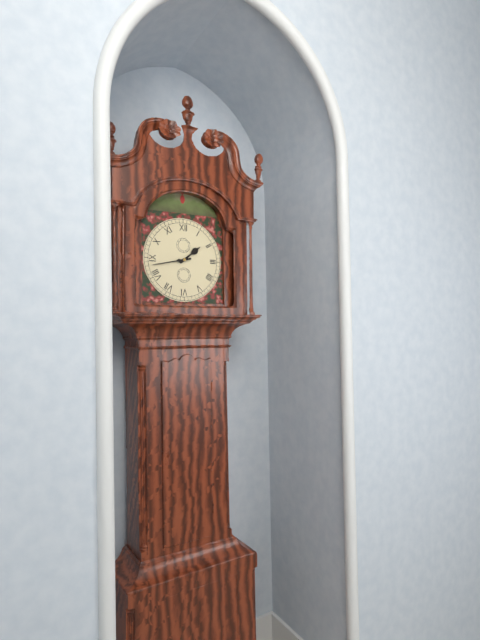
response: 1h43
